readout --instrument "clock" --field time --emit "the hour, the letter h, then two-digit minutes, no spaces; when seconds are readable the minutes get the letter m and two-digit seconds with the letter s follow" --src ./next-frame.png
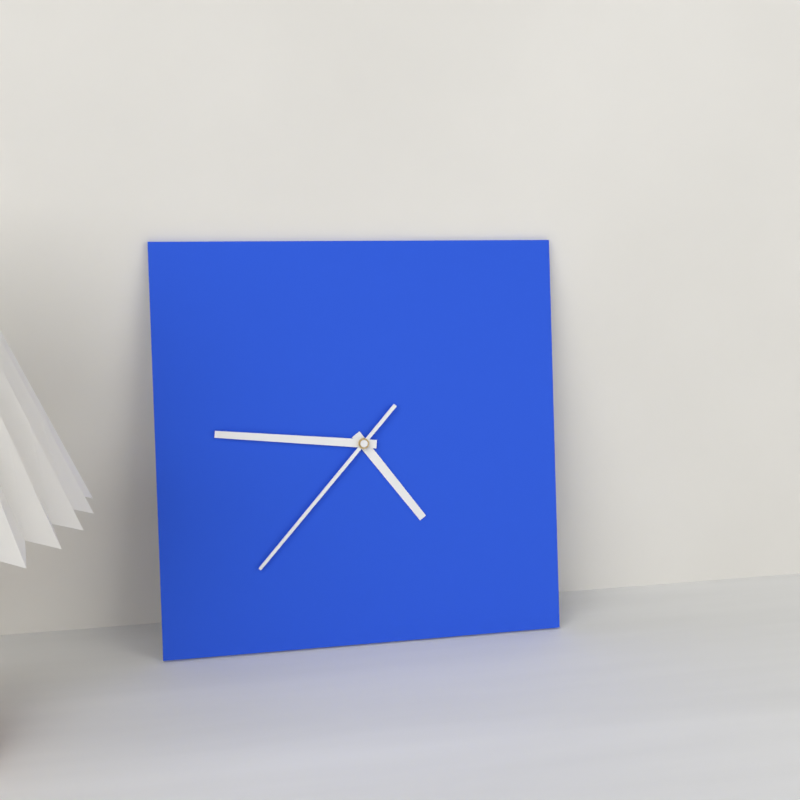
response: 4h46m37s
